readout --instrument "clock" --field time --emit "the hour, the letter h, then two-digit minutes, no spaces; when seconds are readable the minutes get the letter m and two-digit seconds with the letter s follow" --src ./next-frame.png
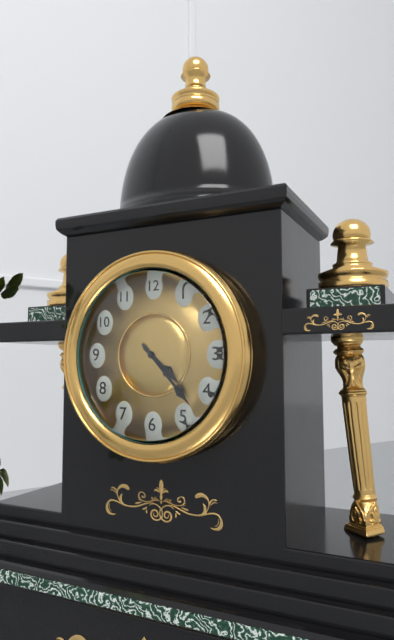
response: 4h23
